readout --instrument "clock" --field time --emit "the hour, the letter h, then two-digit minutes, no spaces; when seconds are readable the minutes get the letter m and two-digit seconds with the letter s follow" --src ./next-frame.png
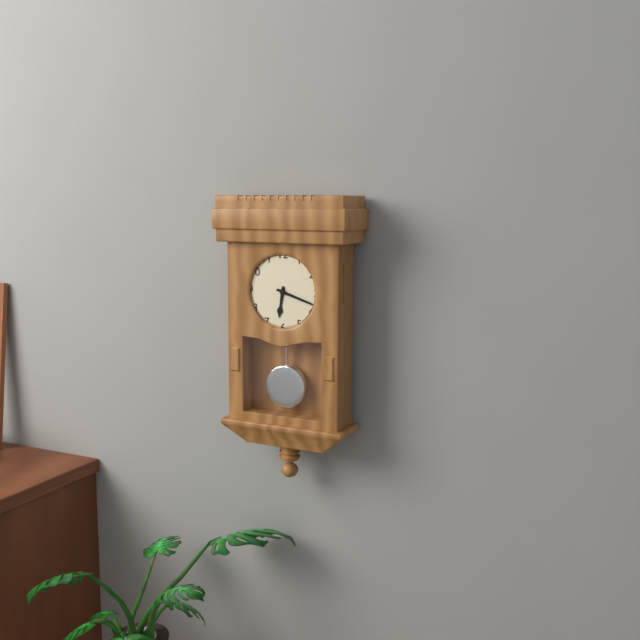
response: 6h18
